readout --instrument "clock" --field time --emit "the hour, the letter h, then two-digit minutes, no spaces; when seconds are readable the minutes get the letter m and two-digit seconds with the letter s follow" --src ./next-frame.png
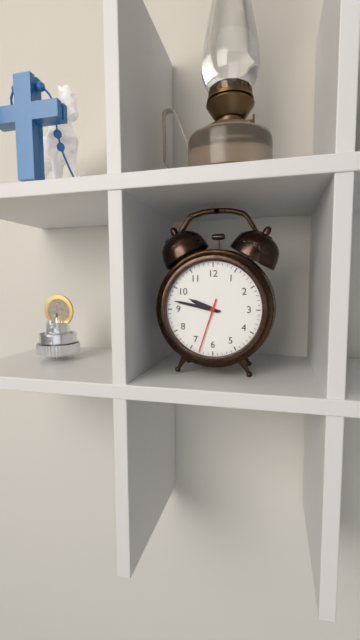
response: 9h47m33s
